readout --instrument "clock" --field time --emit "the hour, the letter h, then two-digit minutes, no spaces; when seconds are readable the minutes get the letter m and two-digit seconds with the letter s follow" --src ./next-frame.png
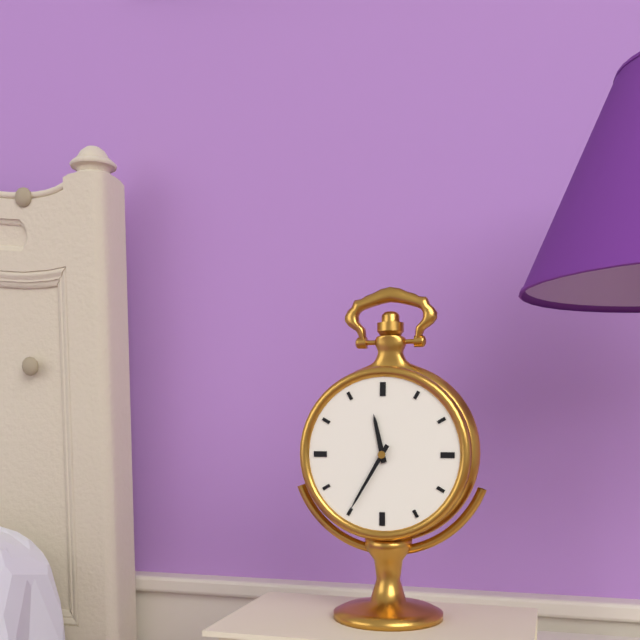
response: 11h35
